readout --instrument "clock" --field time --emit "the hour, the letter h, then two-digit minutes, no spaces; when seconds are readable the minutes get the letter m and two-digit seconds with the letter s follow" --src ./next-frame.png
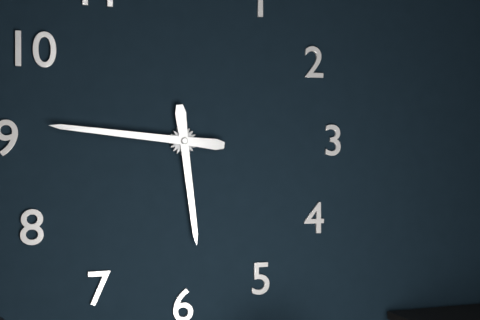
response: 5h46
